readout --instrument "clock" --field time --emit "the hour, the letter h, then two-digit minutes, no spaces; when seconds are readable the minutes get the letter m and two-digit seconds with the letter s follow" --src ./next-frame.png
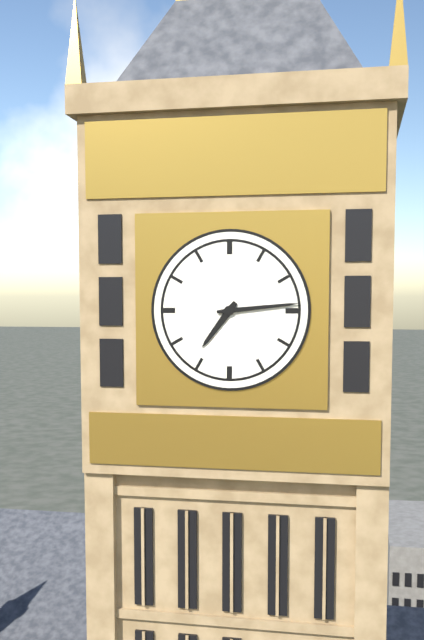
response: 7h14
